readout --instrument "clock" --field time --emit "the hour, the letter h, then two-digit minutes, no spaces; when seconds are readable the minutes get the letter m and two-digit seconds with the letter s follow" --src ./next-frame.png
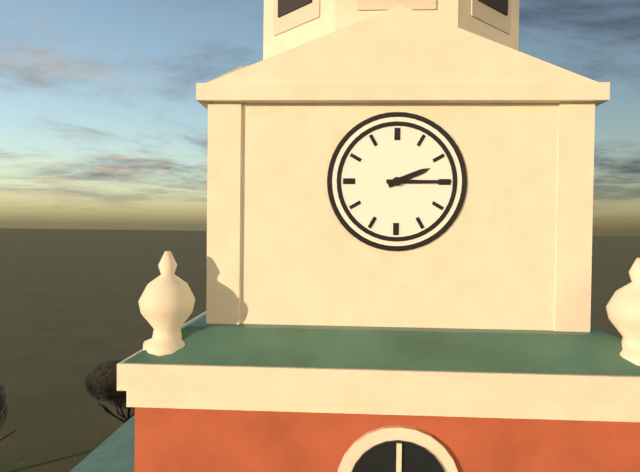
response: 2h15
